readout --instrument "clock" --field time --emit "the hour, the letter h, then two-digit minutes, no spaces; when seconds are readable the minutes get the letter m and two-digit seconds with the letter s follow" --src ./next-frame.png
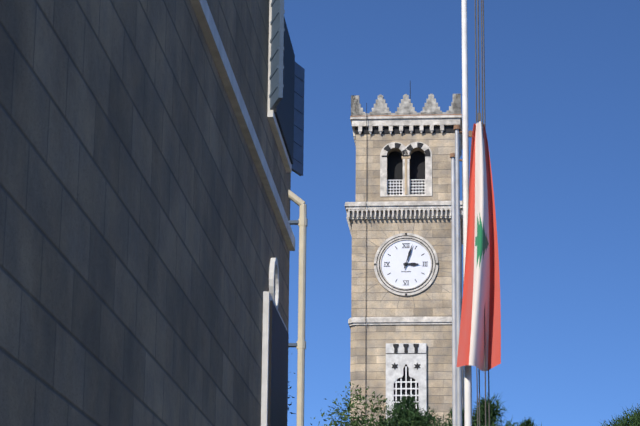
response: 3h03
